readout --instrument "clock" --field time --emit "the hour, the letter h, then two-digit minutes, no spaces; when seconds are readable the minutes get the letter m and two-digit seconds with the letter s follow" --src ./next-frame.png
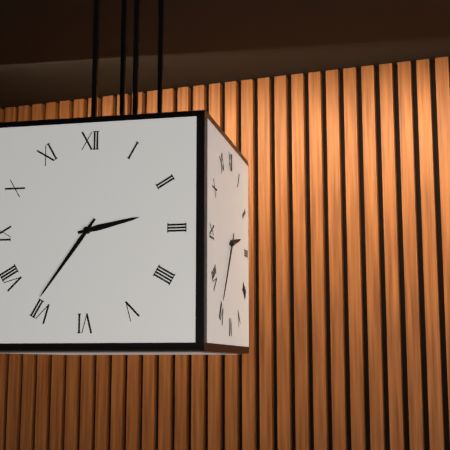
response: 2h36
